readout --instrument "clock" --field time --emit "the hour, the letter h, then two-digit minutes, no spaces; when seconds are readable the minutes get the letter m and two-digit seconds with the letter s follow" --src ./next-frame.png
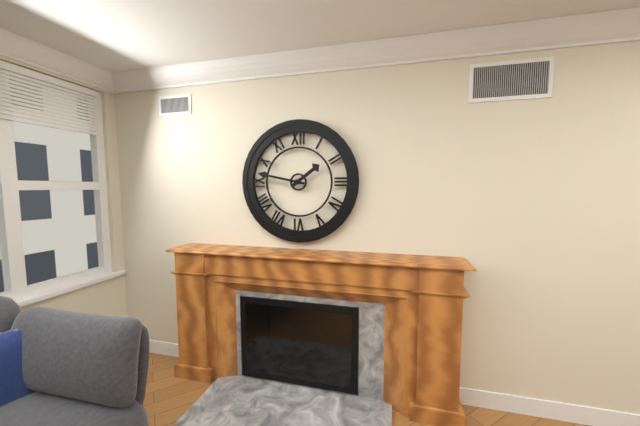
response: 1h47
